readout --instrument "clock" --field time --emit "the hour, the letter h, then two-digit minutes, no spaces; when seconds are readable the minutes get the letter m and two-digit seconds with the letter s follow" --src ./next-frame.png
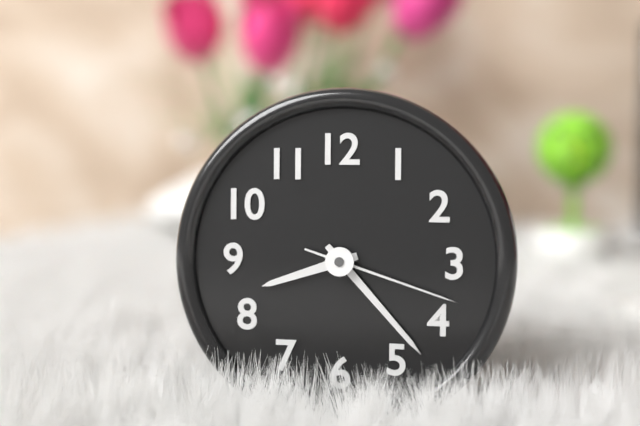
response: 8h23m18s
